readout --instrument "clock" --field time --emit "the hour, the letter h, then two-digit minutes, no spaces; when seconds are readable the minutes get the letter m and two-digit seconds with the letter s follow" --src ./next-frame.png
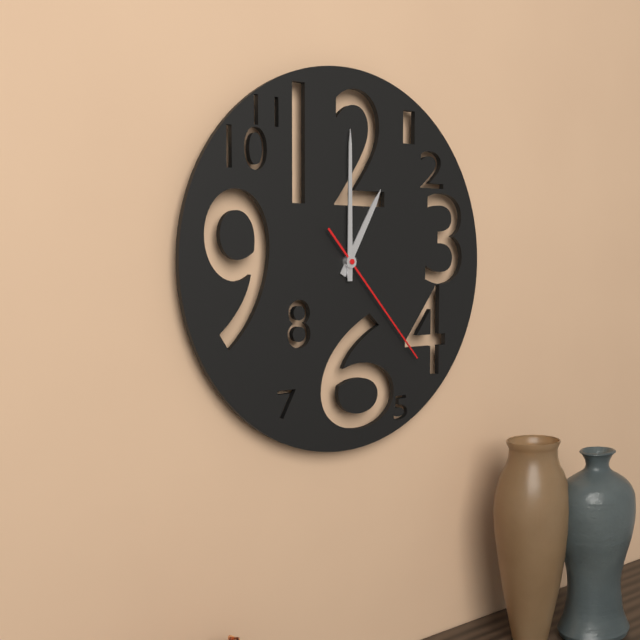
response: 1h00m23s
